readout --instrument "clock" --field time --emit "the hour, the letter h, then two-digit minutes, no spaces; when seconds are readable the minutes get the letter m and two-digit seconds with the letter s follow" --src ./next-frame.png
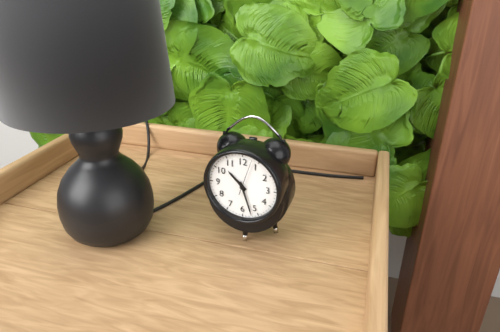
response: 10h27
